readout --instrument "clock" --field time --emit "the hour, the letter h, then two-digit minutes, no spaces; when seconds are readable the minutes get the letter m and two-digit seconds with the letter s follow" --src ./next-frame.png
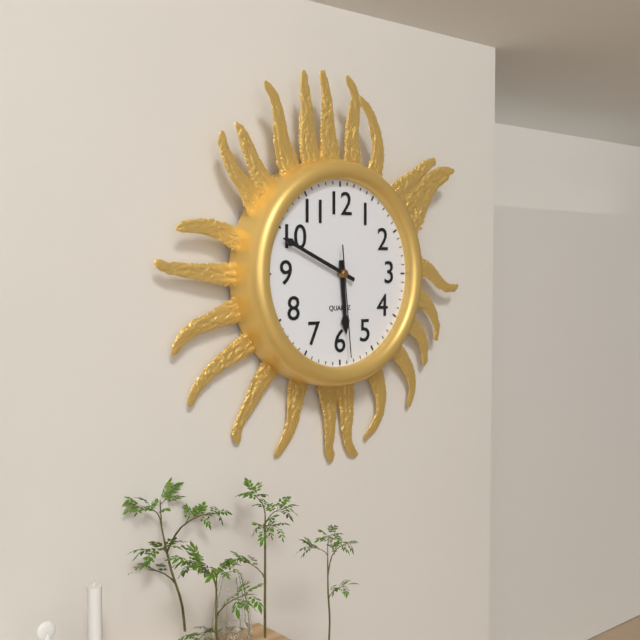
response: 5h49m29s
